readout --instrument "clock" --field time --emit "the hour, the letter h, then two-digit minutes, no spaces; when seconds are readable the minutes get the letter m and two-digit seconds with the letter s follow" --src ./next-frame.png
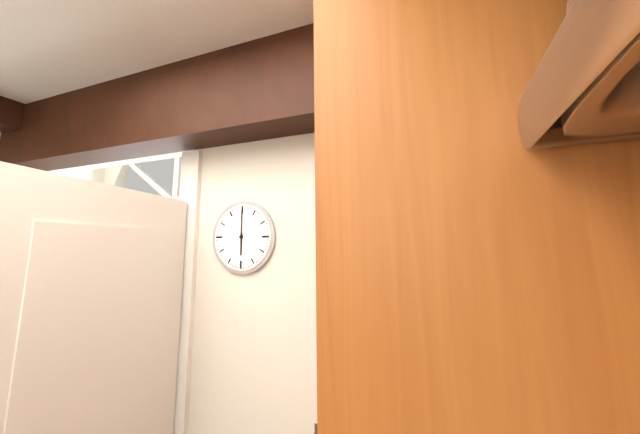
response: 6h00
